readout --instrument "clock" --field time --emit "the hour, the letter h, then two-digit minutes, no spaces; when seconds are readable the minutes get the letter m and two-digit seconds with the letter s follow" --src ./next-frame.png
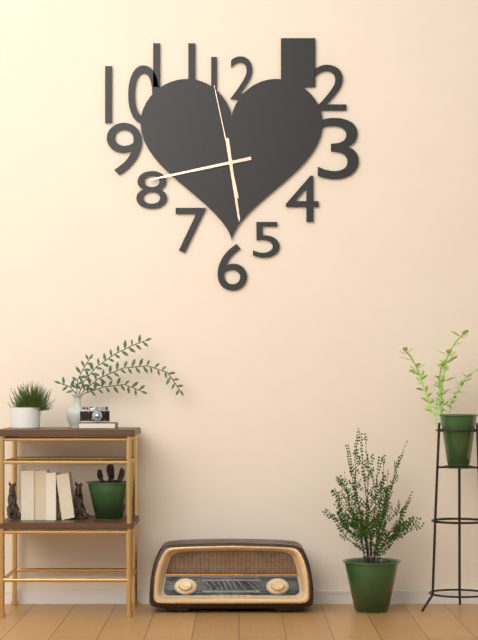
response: 5h43m58s
